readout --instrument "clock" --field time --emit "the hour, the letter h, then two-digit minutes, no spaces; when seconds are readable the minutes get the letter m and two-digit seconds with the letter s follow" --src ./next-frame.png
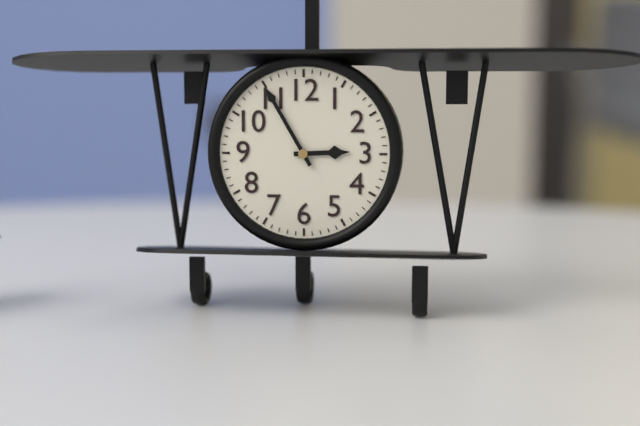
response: 2h55
